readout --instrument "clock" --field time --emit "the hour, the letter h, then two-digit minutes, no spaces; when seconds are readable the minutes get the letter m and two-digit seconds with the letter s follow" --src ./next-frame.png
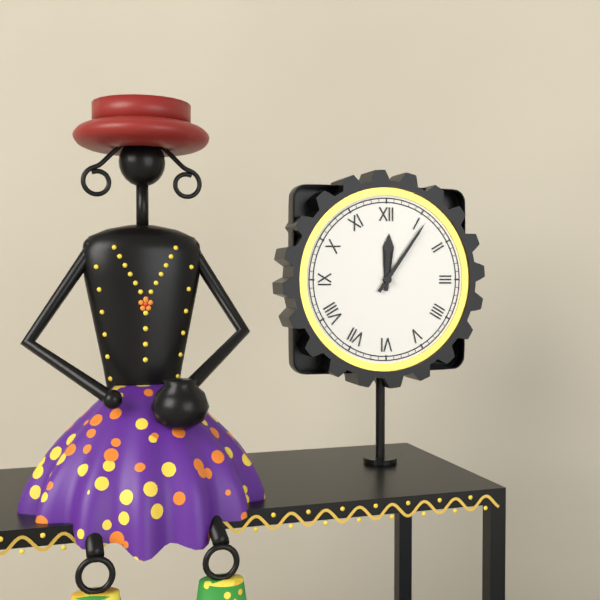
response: 12h06
